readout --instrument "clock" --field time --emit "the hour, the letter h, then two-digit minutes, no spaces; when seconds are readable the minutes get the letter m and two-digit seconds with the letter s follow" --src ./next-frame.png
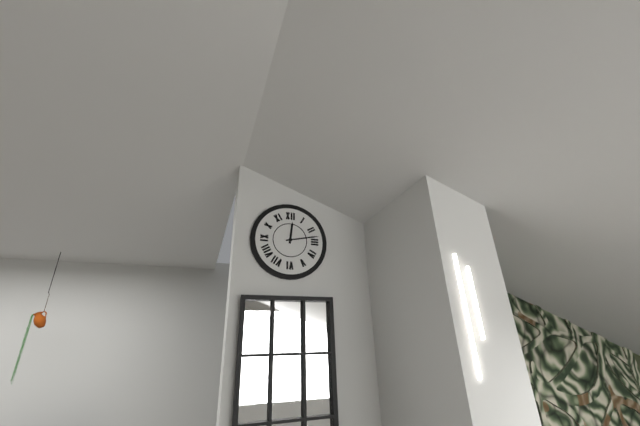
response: 12h13
